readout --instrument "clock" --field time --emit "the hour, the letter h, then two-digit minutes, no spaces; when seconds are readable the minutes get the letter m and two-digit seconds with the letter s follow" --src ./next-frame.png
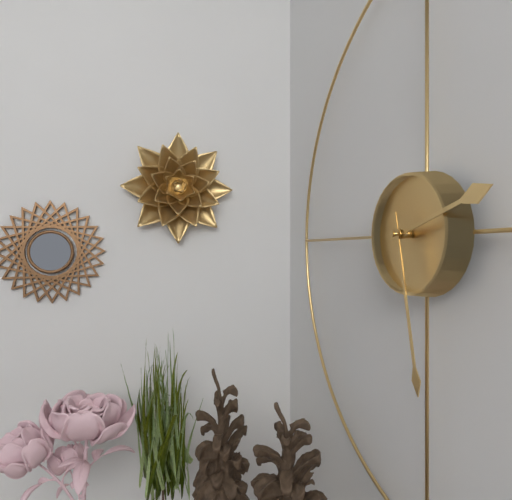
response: 2h28
